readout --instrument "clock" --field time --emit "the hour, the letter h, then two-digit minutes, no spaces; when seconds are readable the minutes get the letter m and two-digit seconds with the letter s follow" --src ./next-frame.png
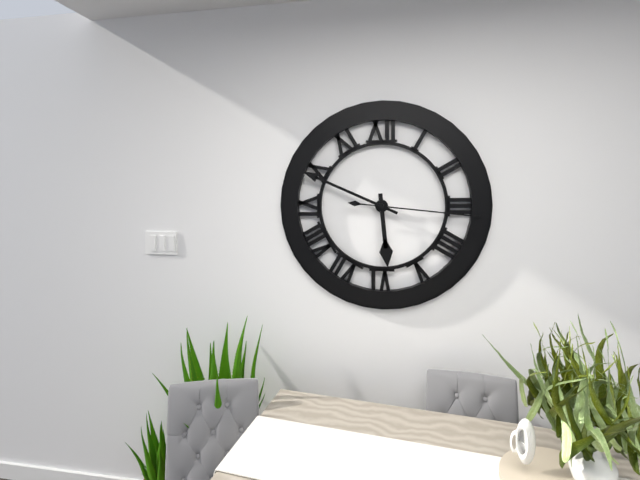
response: 5h49m16s
